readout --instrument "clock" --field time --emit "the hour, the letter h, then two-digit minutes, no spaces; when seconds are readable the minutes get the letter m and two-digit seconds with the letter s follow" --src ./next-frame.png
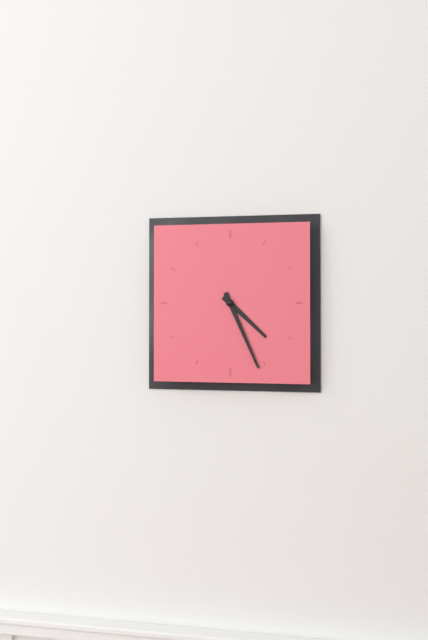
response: 4h26
